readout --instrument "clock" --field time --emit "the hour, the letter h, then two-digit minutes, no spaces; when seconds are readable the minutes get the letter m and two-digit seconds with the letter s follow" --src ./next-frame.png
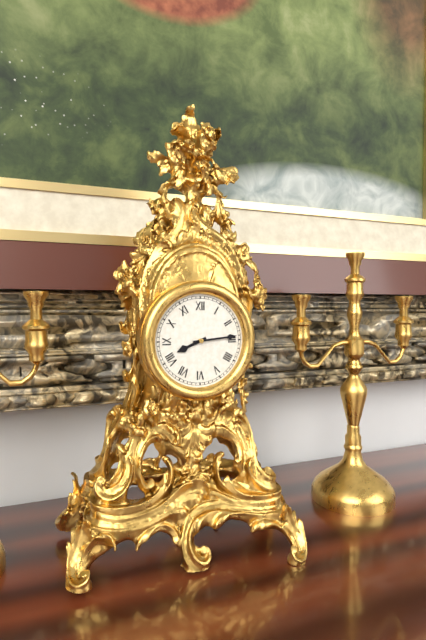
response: 8h14
